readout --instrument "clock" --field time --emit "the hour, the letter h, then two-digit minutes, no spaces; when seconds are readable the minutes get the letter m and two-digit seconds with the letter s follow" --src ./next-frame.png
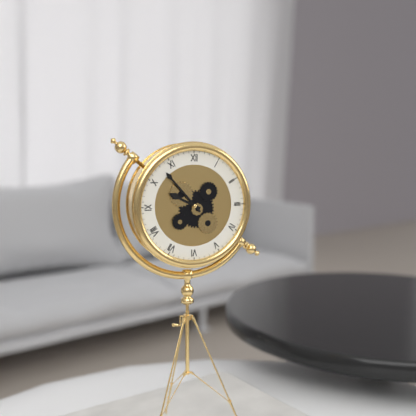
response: 9h53
